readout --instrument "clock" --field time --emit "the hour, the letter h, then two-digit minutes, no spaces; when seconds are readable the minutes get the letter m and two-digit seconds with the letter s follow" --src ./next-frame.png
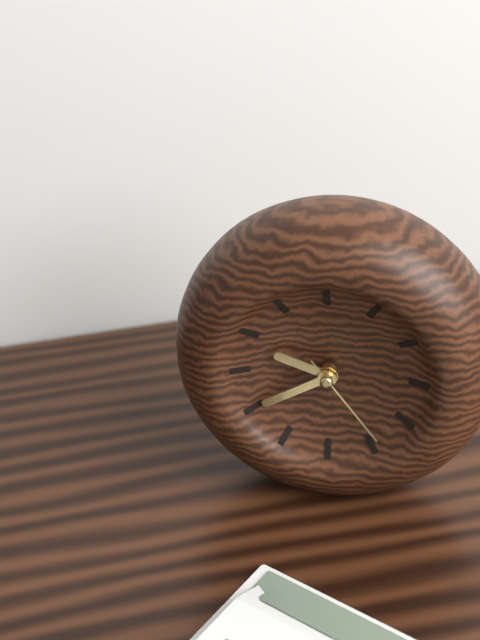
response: 9h40m24s
